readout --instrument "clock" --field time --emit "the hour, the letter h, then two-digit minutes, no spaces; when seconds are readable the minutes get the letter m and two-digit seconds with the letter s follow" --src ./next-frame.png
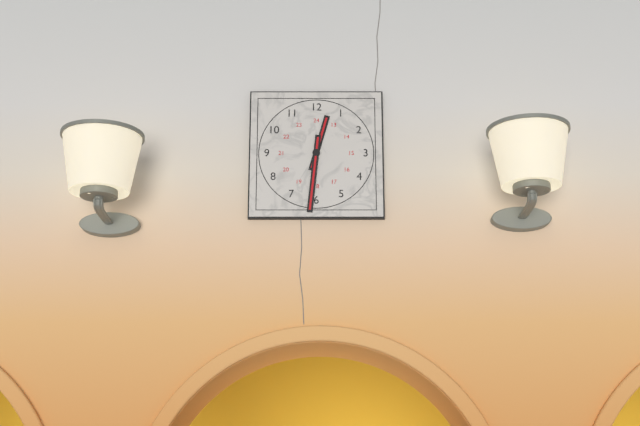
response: 12h31
